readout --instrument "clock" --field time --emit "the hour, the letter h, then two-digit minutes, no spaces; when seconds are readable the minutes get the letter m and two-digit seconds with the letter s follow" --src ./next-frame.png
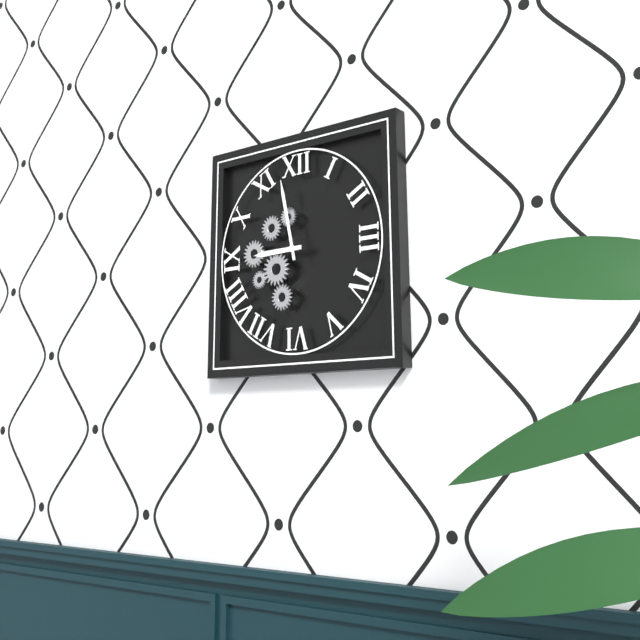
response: 8h58
